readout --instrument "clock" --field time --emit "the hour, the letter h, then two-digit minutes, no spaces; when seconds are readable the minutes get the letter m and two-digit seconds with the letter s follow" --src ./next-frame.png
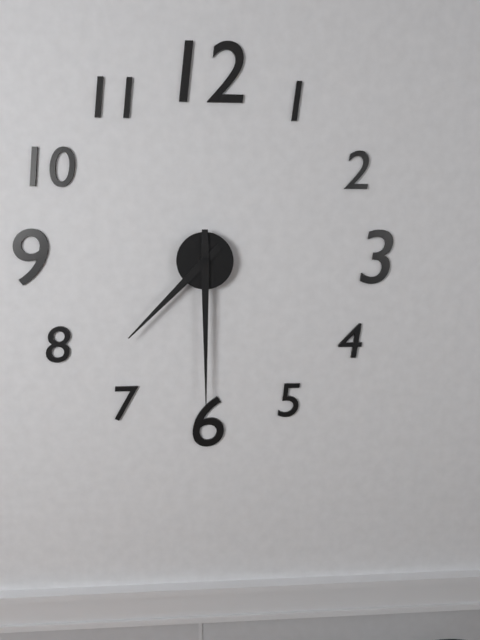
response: 7h30
